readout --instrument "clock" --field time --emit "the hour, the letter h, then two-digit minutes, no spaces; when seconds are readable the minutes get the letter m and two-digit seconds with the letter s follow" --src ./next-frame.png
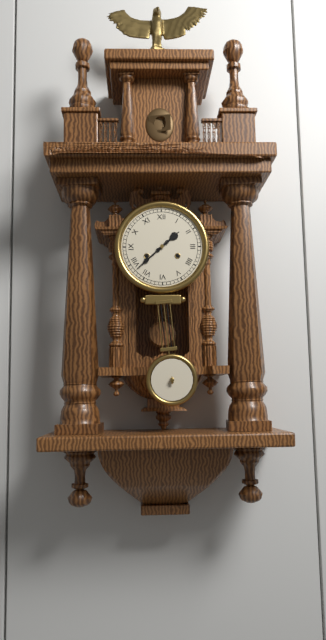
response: 1h38
